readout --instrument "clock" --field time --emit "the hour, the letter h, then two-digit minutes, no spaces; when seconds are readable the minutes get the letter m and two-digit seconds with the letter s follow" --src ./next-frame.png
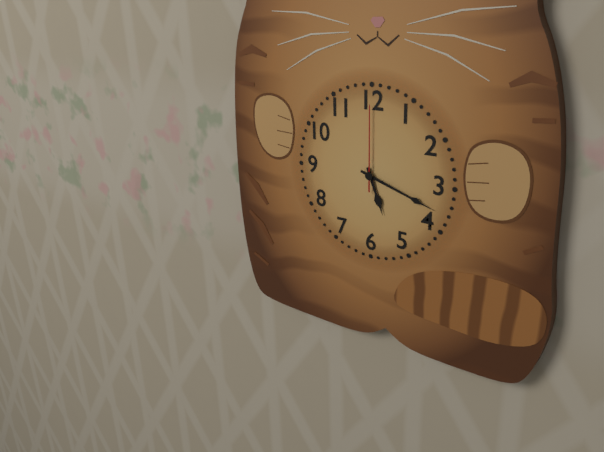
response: 5h18m00s
